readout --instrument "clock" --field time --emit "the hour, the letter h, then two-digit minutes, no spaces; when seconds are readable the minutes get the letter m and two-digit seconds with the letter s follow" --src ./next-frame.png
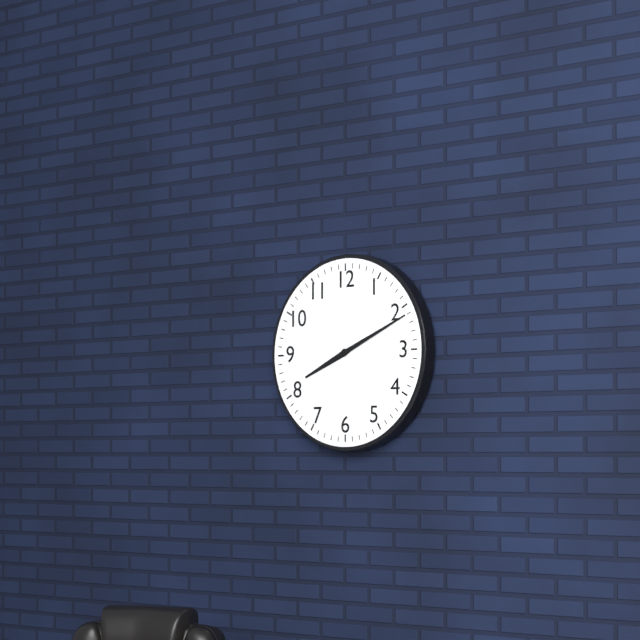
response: 8h11
